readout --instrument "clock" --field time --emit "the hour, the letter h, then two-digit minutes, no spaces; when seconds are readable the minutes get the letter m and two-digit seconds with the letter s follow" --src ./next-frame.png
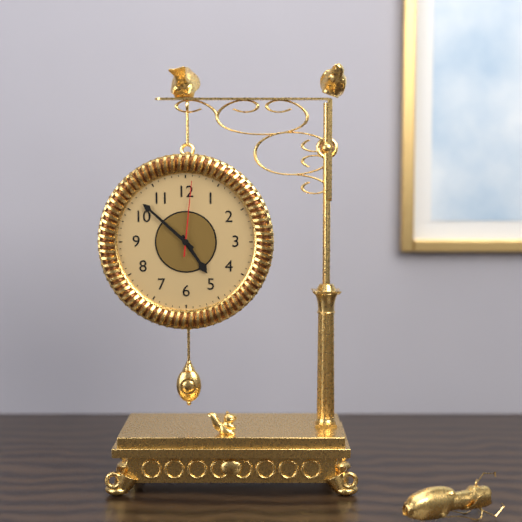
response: 4h52m01s
